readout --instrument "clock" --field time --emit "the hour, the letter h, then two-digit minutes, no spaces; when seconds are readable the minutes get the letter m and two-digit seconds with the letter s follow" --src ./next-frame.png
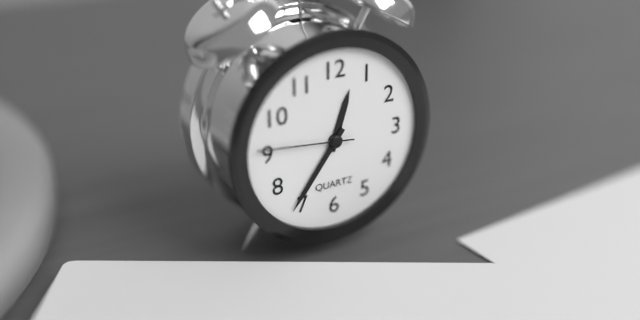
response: 12h36m46s
